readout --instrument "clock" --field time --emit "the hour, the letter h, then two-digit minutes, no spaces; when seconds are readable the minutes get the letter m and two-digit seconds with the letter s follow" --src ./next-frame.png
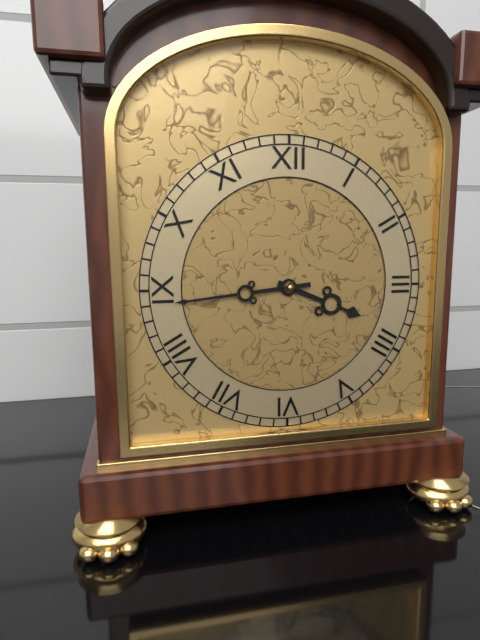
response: 3h44
